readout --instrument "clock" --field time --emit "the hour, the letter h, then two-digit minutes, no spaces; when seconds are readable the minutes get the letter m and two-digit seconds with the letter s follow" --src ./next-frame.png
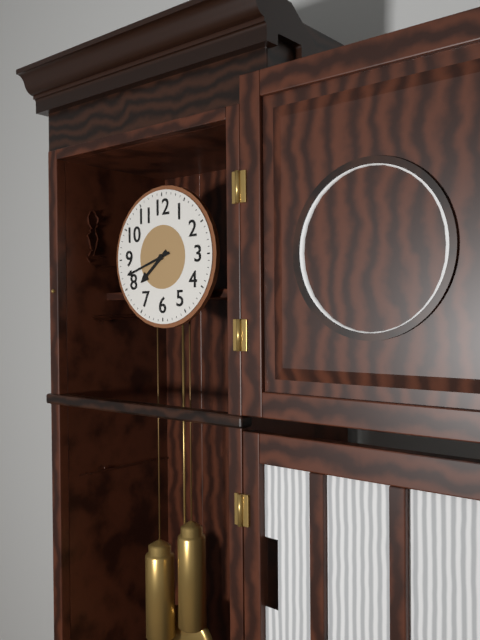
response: 7h42
